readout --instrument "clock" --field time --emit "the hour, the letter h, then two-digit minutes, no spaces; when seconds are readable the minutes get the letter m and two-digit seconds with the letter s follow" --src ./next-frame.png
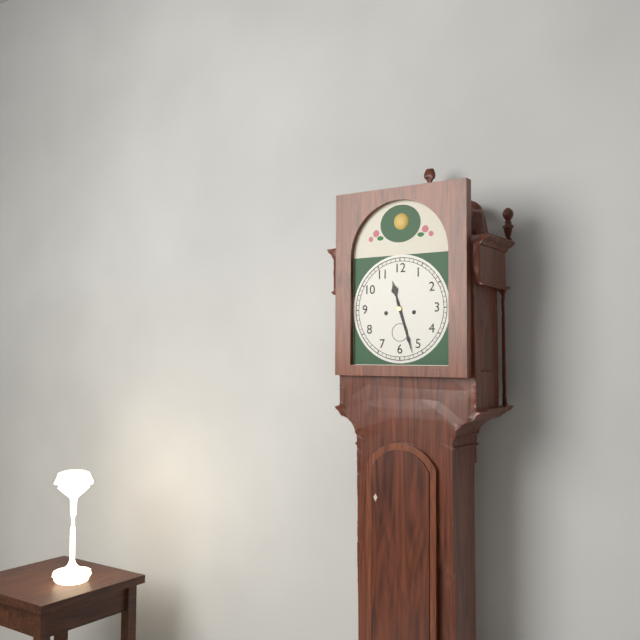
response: 11h27
